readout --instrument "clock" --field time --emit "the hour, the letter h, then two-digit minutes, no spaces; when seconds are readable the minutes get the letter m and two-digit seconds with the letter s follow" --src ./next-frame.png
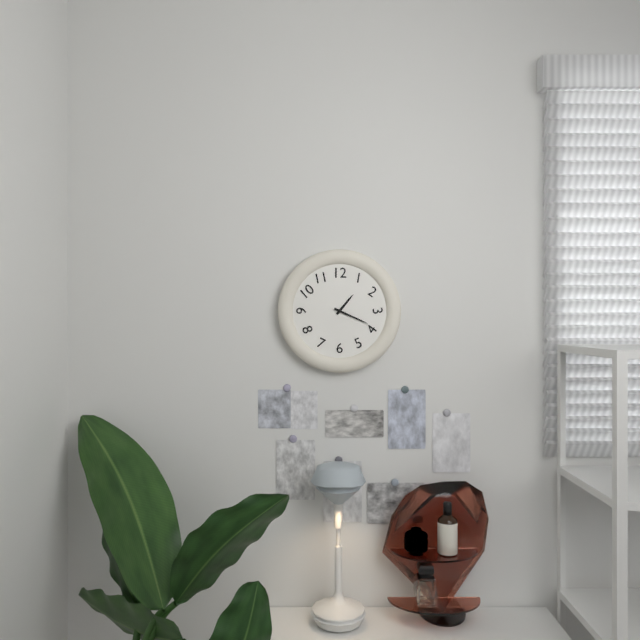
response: 1h19
